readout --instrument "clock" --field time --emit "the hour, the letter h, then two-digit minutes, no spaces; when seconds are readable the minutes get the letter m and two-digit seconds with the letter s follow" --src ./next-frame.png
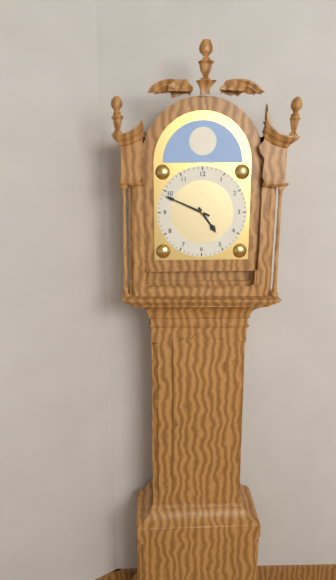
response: 4h49
